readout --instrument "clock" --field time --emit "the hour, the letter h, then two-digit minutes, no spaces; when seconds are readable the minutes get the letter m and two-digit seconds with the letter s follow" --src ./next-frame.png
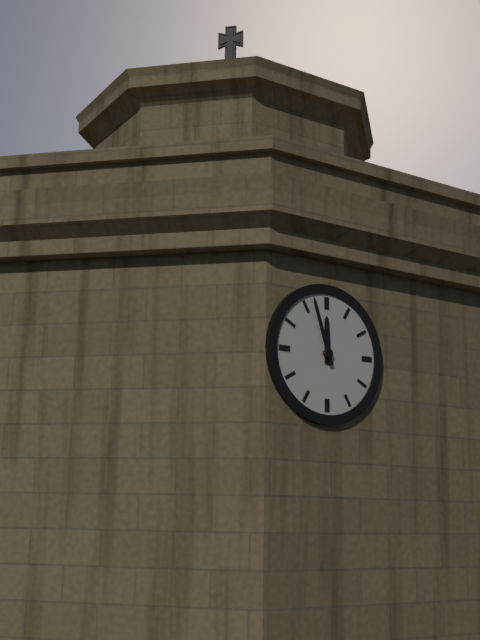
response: 11h57
